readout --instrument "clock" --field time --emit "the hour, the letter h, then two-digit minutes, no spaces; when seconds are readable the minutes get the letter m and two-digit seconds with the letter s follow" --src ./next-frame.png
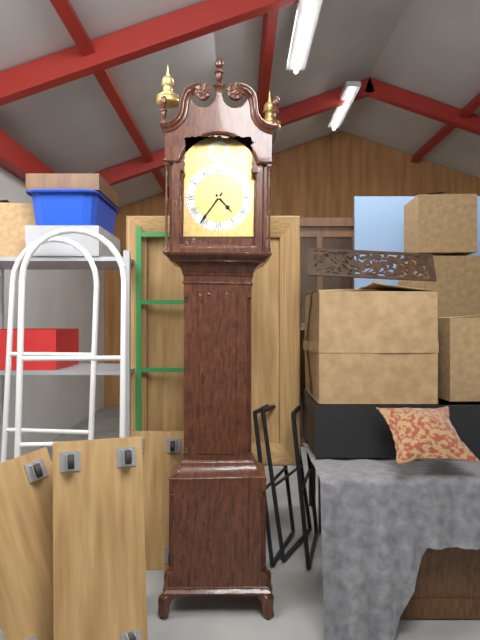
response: 4h36
